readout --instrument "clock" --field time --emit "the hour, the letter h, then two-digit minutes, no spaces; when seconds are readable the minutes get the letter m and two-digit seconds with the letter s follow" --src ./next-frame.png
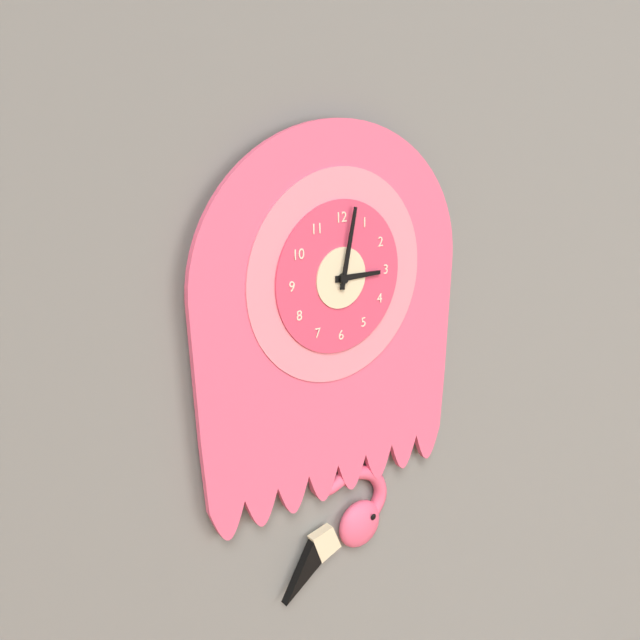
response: 3h02
